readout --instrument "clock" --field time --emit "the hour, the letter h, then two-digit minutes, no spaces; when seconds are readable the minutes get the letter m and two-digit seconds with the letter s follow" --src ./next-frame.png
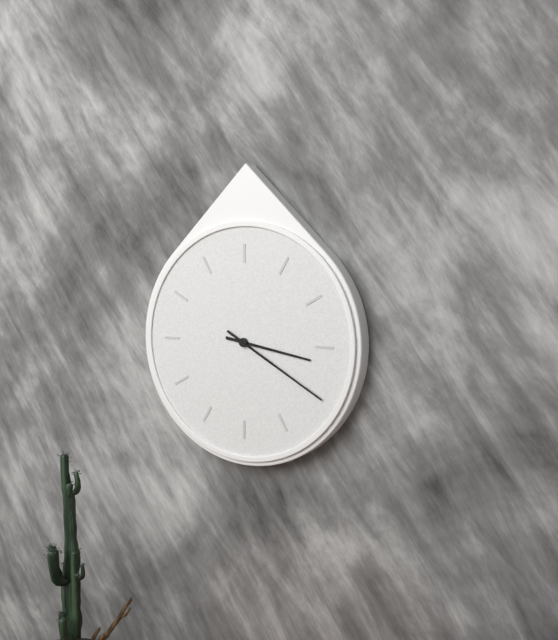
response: 3h20
